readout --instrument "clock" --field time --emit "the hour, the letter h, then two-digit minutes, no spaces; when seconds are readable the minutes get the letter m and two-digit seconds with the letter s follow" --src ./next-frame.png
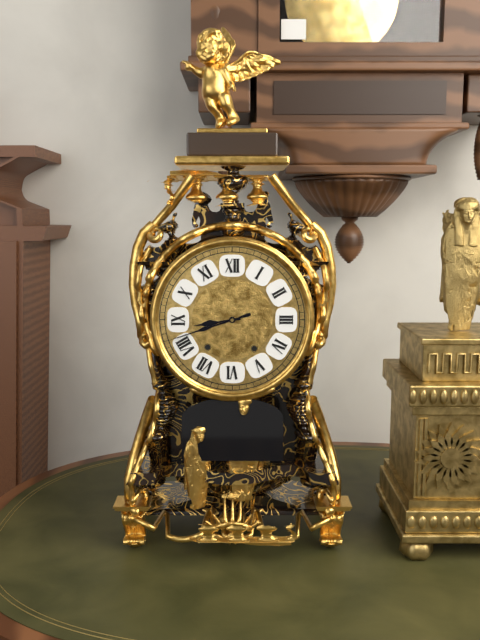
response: 8h42
